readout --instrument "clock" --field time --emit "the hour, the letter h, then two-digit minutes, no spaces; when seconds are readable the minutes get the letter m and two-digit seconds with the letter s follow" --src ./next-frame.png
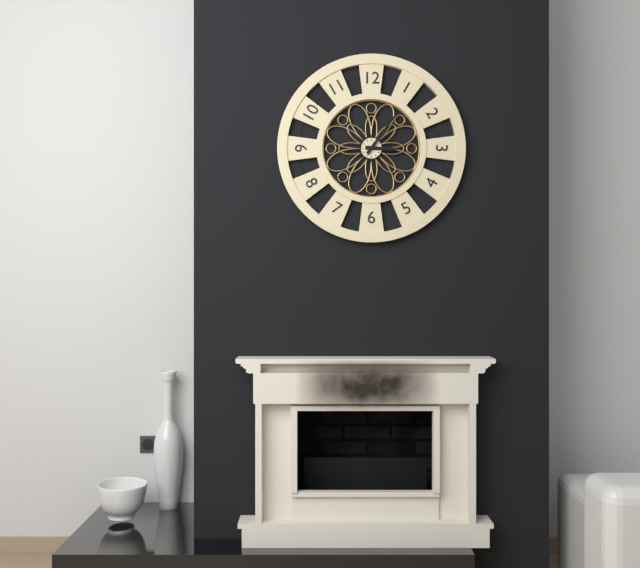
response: 3h06
